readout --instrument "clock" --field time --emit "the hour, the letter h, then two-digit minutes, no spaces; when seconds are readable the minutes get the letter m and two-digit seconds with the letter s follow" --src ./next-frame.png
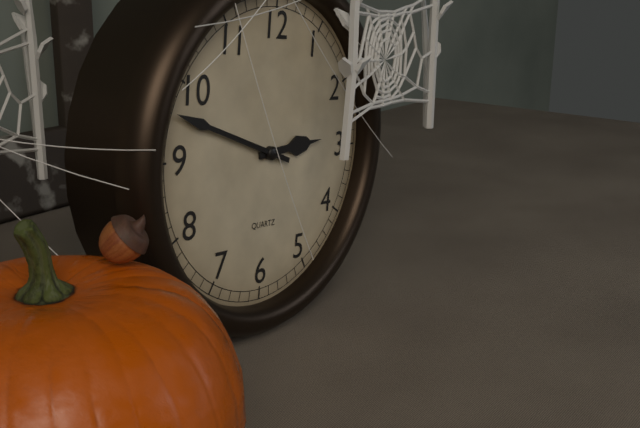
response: 2h48
